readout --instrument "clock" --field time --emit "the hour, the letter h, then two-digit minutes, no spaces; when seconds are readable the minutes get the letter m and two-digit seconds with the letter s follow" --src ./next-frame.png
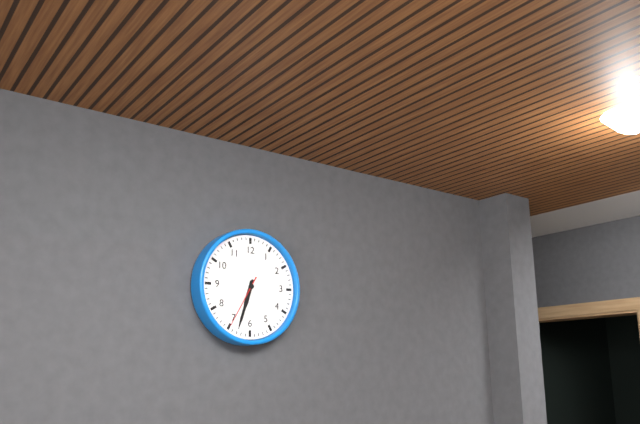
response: 6h33
